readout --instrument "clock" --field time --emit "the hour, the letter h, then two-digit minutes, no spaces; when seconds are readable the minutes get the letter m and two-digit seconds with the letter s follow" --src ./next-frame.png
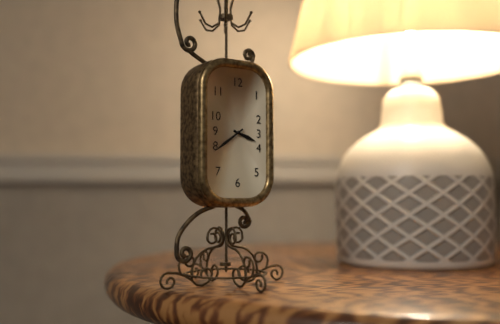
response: 3h39
